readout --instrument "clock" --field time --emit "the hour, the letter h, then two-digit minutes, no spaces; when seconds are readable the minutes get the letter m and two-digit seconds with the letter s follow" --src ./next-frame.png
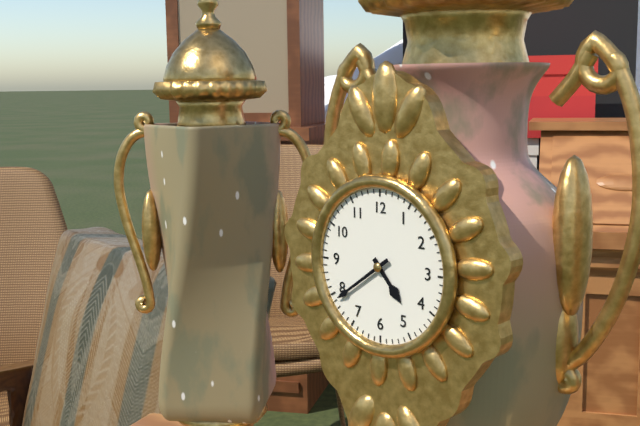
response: 4h39
